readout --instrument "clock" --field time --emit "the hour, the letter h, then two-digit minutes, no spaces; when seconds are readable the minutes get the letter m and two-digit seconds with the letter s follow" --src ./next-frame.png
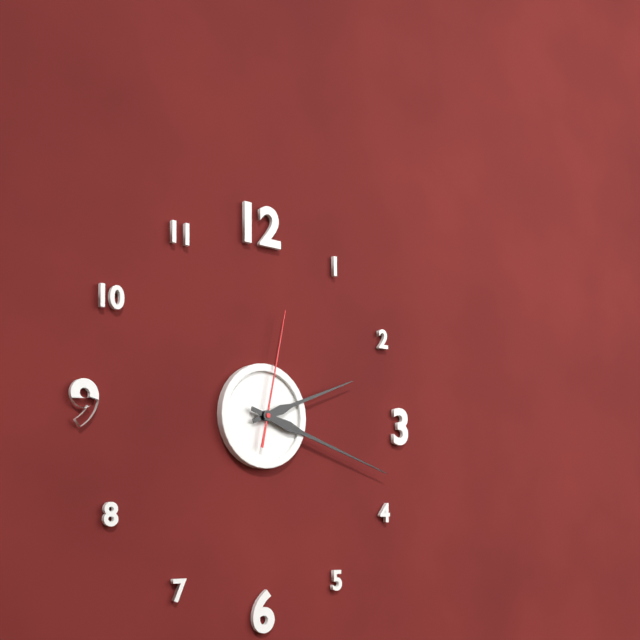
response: 2h18m02s
